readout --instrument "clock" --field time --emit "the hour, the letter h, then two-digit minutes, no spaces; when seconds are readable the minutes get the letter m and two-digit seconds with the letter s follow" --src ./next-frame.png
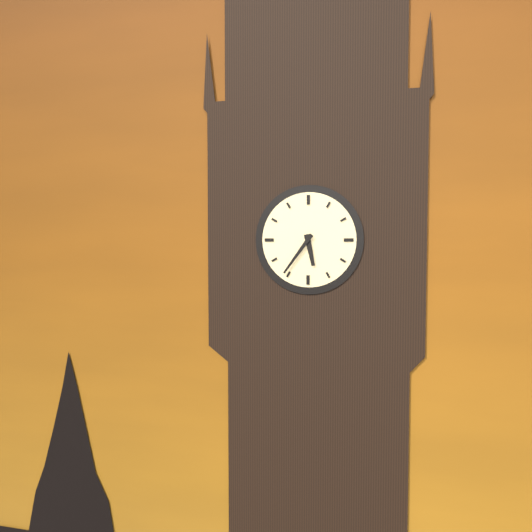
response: 5h36
